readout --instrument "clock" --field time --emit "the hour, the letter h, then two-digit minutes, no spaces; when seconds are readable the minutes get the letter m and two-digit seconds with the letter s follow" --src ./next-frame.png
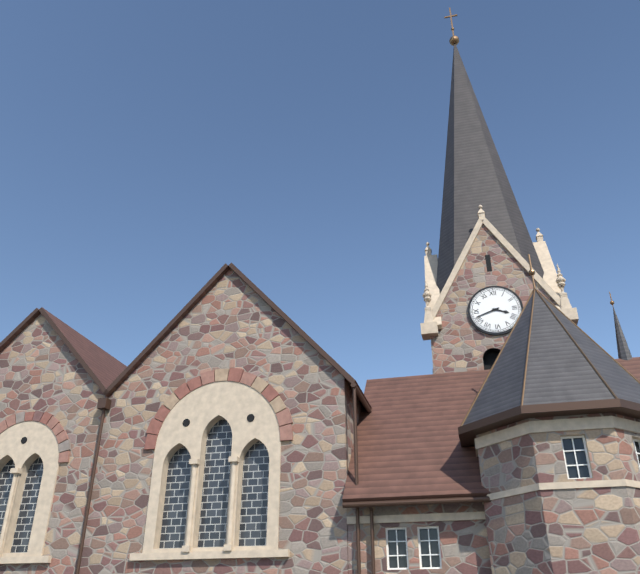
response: 3h42
